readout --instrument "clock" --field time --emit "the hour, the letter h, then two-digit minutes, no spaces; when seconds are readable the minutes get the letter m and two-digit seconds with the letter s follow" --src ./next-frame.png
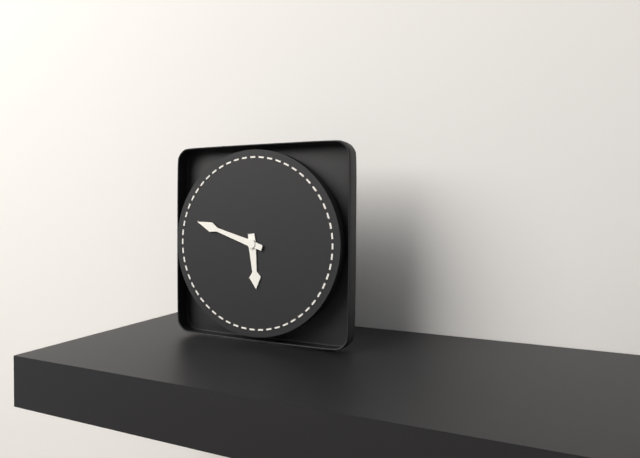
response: 5h48
